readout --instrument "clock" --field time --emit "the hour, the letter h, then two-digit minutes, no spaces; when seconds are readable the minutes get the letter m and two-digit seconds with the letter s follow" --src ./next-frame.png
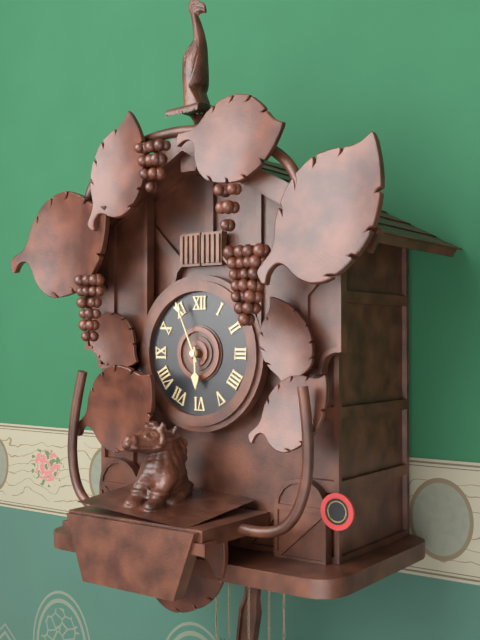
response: 5h56
